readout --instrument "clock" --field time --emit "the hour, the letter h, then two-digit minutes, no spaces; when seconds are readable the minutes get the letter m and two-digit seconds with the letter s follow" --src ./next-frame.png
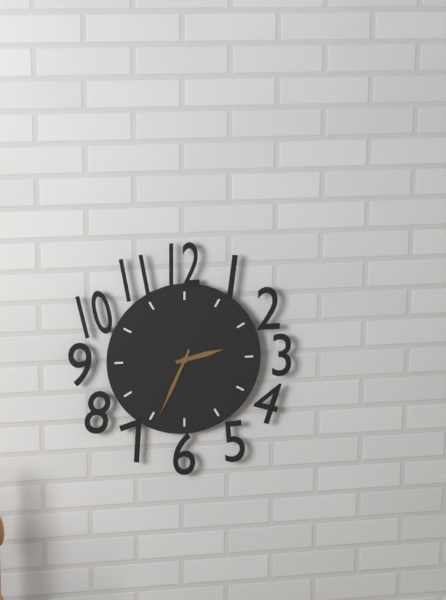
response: 2h34
